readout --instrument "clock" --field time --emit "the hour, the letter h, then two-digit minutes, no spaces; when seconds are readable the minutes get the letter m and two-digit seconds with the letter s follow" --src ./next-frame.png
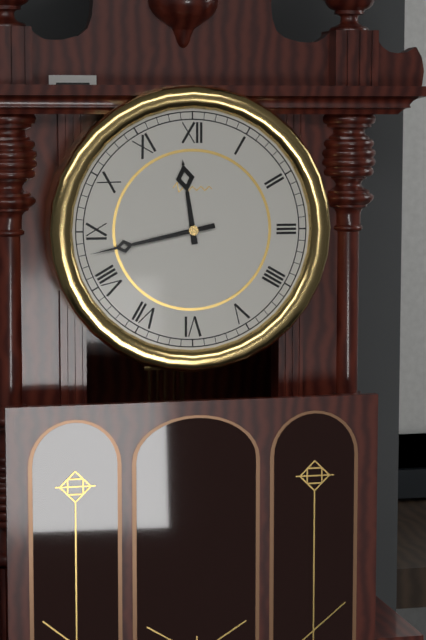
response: 11h43
